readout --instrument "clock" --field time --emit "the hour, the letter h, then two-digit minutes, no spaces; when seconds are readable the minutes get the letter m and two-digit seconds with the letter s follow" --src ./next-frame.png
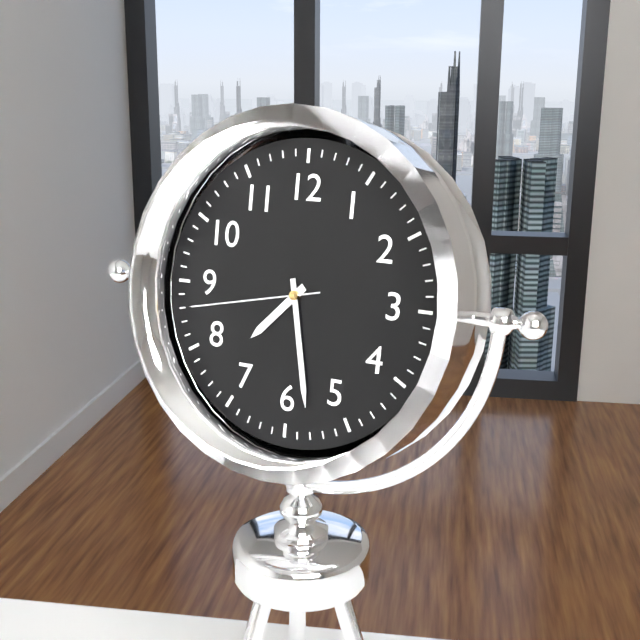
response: 7h28m43s
